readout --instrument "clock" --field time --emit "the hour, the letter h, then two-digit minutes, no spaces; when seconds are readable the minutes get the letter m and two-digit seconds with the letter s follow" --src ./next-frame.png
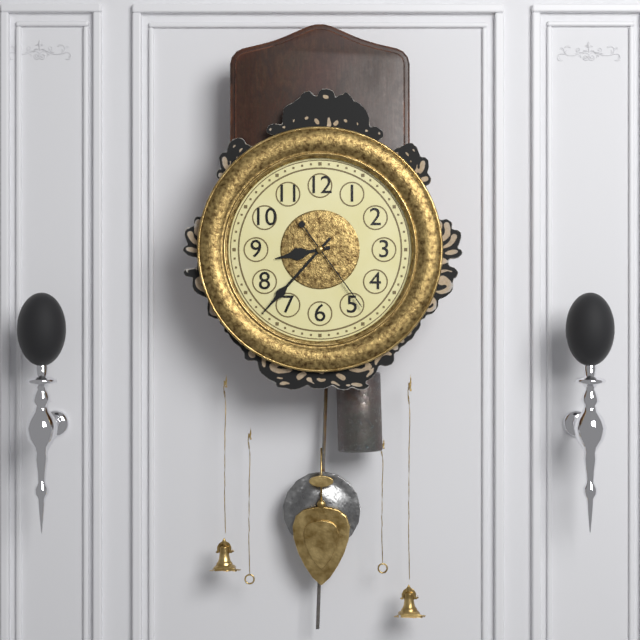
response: 8h37m24s
